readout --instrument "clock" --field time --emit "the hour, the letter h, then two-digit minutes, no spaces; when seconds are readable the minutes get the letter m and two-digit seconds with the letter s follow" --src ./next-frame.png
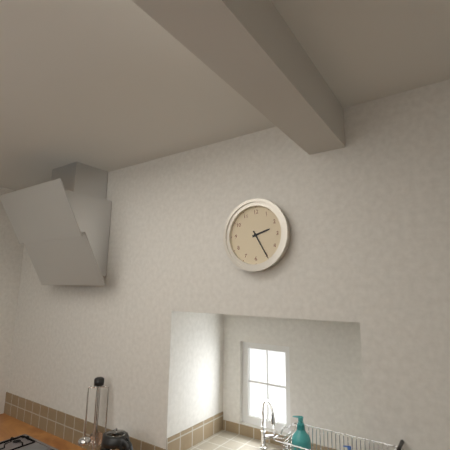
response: 2h25
